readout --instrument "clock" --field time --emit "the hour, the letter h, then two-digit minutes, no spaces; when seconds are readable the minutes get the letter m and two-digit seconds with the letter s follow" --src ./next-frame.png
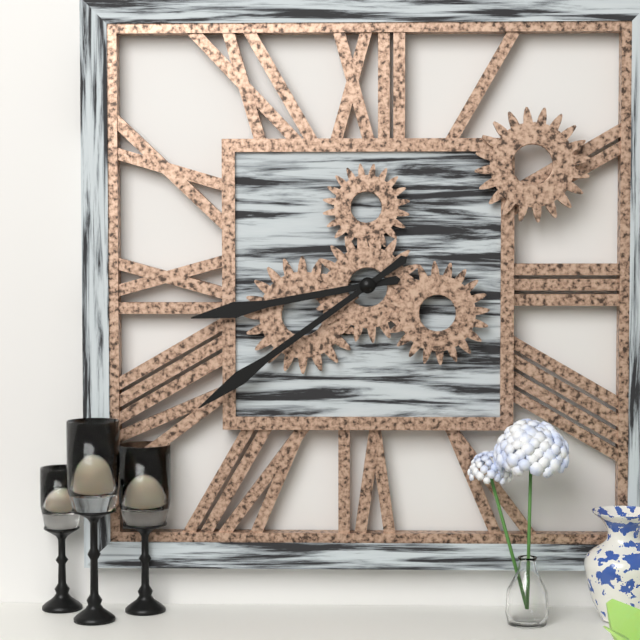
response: 8h39
